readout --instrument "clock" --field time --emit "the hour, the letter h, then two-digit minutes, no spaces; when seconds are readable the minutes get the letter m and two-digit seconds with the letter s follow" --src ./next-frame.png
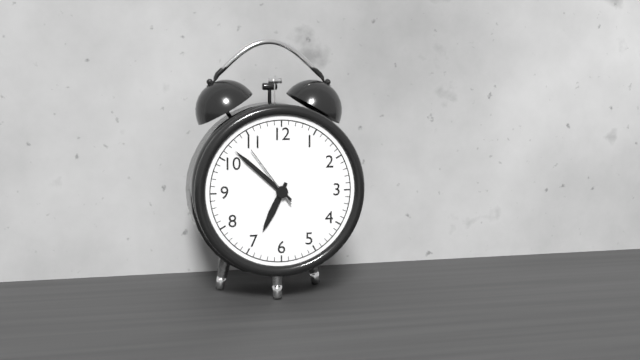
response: 6h52m54s
